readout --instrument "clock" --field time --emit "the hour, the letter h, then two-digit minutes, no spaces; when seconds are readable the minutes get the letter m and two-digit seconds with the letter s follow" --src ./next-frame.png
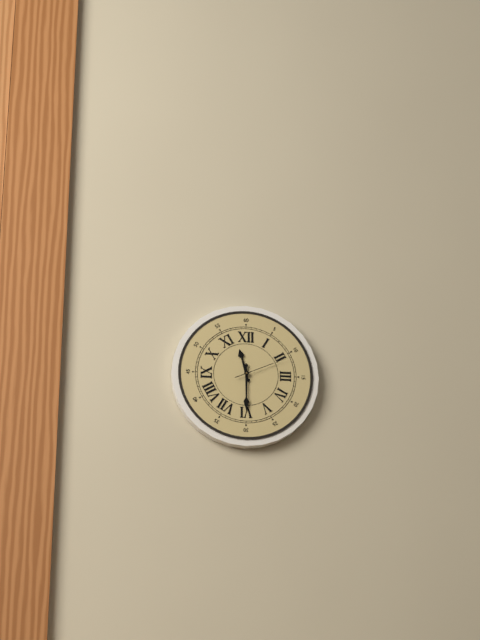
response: 11h30m11s
